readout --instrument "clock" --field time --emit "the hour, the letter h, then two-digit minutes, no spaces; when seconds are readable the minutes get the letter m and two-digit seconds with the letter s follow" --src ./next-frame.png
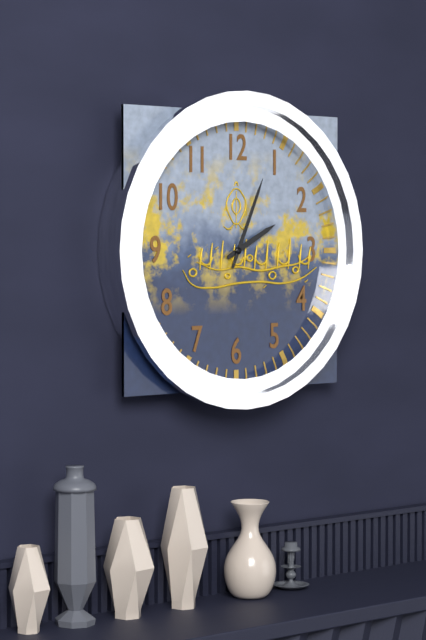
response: 2h04
